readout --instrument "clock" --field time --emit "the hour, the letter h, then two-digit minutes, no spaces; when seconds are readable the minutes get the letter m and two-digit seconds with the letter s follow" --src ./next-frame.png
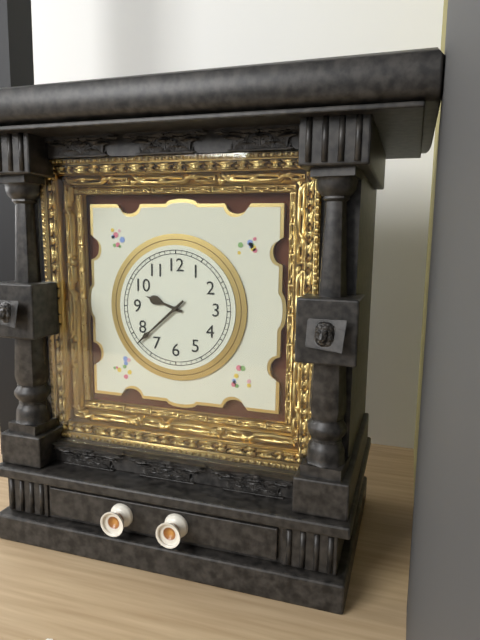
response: 9h38
